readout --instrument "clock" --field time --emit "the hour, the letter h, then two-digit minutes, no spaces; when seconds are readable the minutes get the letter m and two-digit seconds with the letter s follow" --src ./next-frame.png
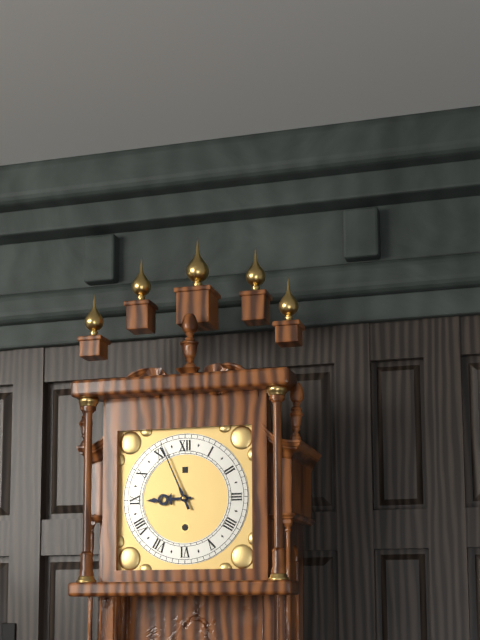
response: 8h56
